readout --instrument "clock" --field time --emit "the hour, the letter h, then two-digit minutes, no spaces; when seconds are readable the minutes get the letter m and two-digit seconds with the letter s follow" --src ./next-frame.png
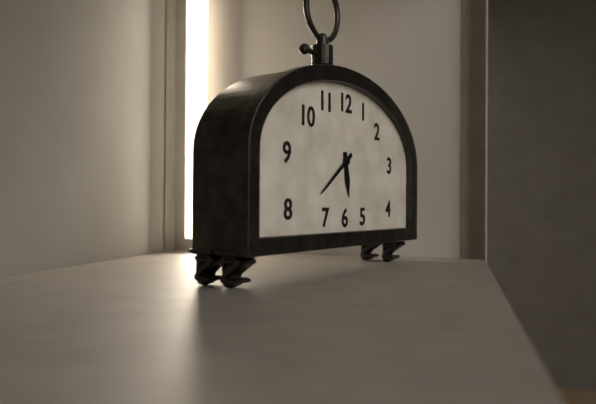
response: 5h39
